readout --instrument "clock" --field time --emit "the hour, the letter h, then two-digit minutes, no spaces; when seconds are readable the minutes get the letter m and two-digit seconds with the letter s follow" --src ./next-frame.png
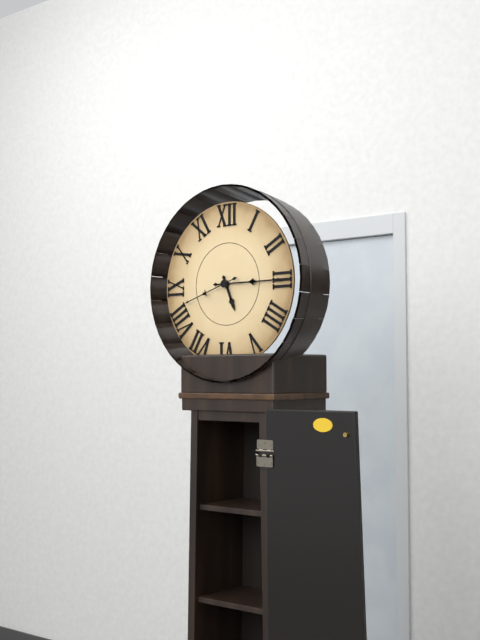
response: 5h15m42s
